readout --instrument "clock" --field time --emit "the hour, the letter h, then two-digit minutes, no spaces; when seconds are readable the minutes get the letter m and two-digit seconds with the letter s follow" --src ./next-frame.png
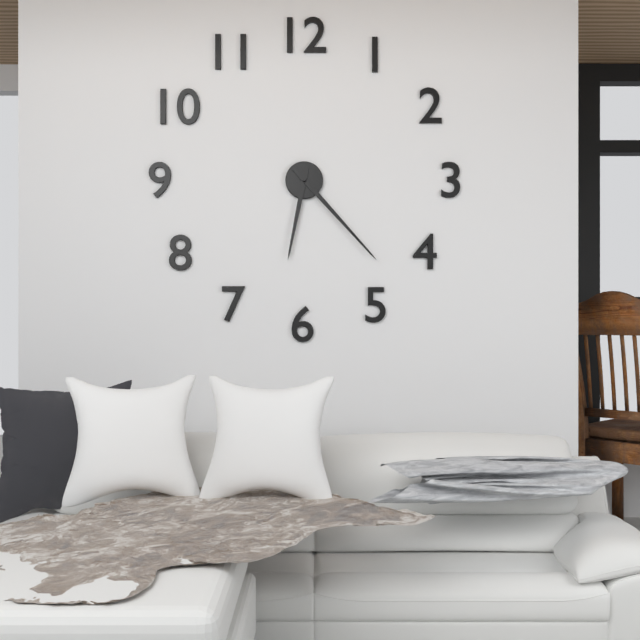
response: 6h23
